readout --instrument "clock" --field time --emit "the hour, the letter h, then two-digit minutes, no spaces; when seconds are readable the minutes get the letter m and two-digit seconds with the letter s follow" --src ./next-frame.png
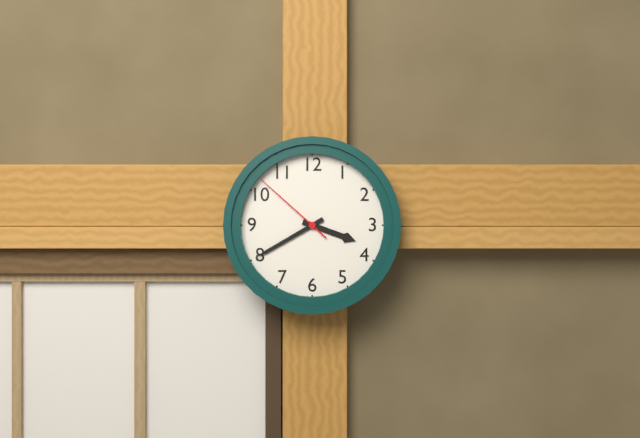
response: 3h40m52s
